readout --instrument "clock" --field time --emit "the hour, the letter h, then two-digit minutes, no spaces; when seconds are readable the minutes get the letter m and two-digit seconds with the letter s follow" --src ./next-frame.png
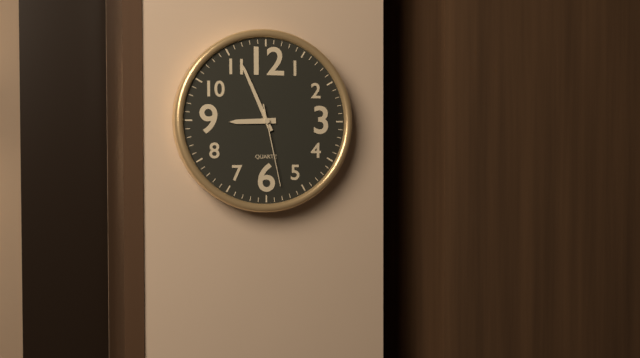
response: 8h56m28s
